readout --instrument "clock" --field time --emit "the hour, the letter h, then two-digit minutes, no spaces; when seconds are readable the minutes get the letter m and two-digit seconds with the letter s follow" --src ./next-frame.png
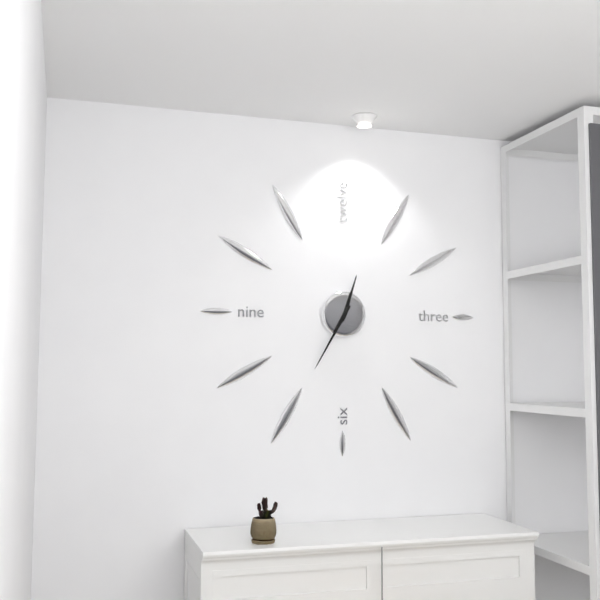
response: 12h35
